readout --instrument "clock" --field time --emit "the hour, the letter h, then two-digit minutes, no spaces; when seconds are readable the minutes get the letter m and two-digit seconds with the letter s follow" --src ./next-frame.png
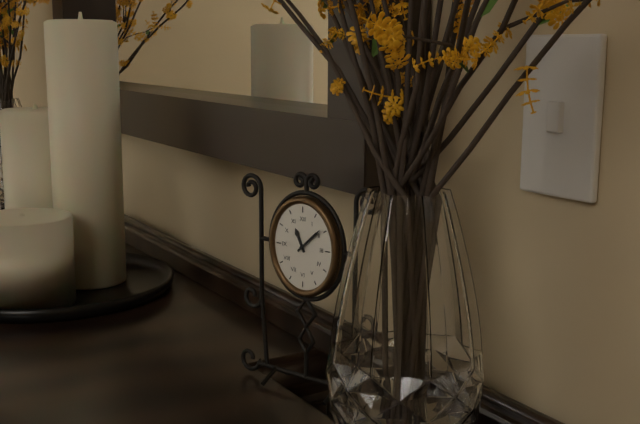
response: 11h08
